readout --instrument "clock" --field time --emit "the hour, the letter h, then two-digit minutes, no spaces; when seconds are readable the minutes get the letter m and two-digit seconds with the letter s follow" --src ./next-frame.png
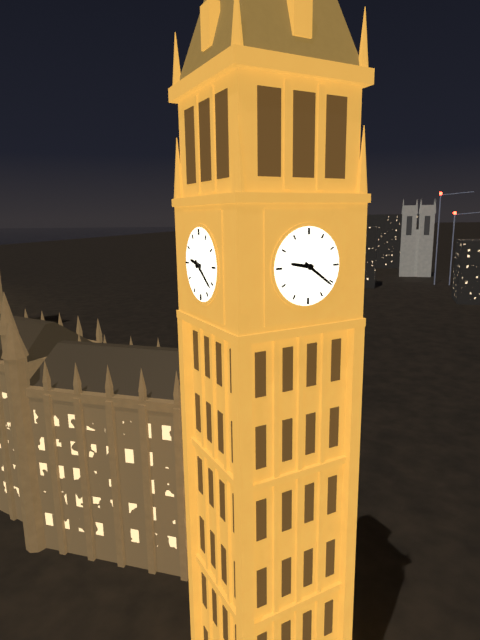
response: 9h21
